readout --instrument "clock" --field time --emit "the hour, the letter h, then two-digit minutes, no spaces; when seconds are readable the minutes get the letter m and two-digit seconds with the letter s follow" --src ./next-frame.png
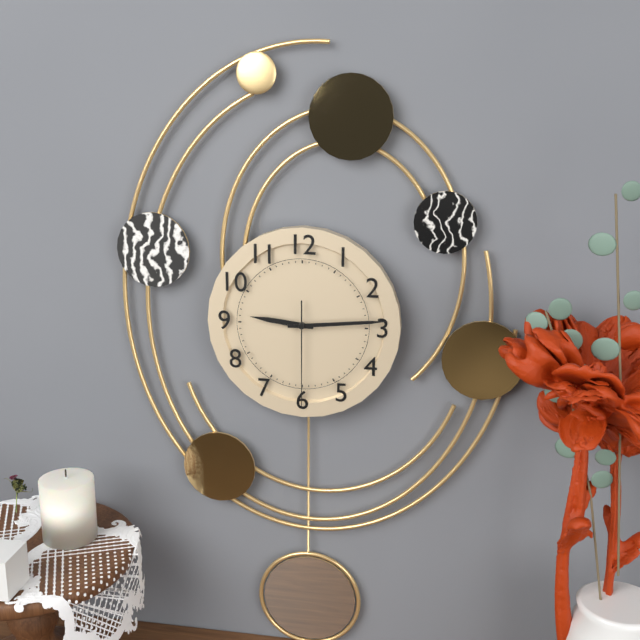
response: 9h14m30s
